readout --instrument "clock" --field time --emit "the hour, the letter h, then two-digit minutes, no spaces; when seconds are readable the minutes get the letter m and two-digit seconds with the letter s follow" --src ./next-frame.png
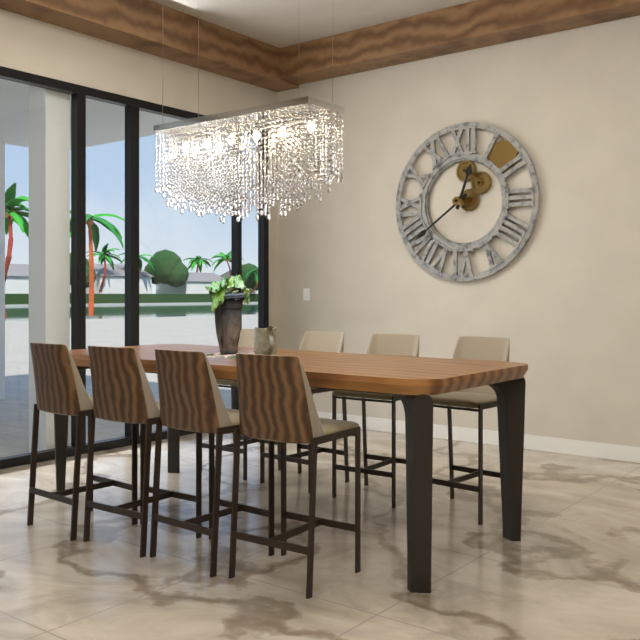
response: 12h39
